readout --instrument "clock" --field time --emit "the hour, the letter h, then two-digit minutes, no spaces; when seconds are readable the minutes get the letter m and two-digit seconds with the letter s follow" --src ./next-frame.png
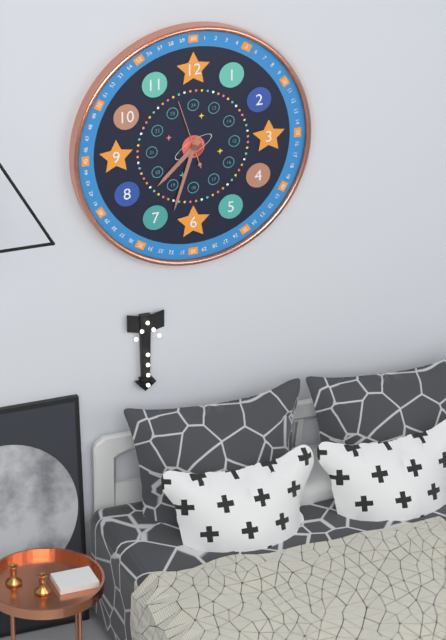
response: 7h33m57s
